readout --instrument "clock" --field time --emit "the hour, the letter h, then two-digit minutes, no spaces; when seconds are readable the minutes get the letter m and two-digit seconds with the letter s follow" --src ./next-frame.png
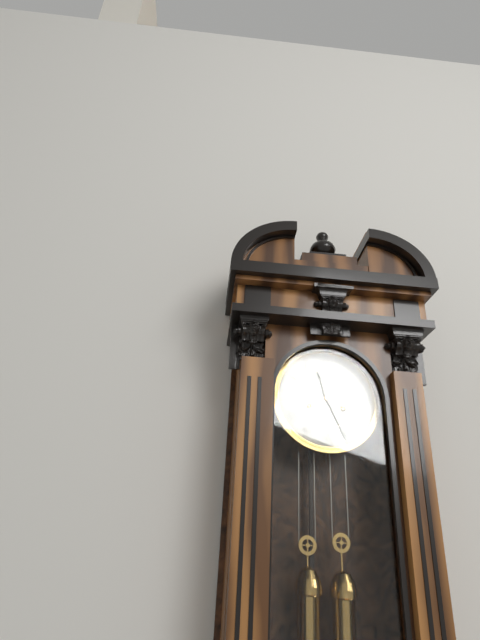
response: 11h26
